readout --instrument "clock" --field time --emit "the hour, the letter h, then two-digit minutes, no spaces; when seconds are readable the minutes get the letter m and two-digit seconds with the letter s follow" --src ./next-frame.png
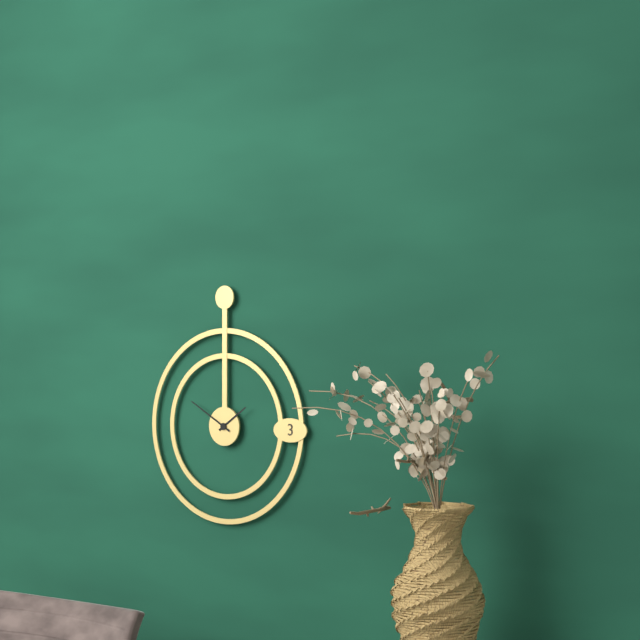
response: 1h50
